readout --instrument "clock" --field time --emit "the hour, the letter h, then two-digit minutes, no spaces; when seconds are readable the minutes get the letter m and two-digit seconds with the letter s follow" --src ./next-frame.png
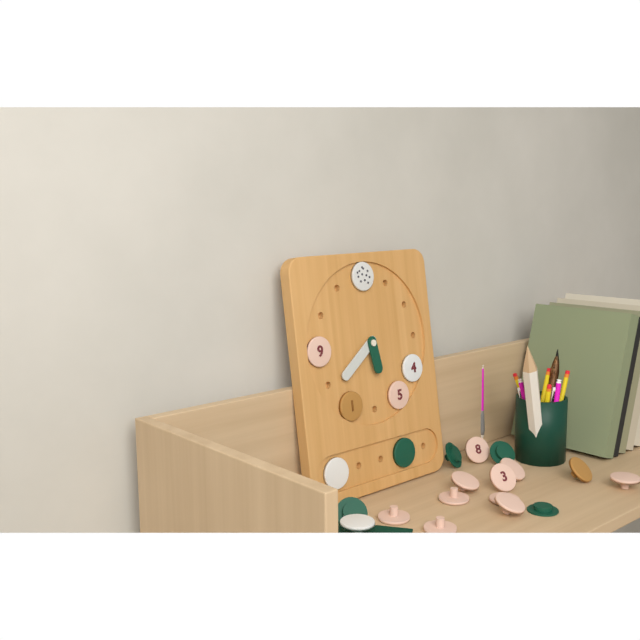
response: 5h39
